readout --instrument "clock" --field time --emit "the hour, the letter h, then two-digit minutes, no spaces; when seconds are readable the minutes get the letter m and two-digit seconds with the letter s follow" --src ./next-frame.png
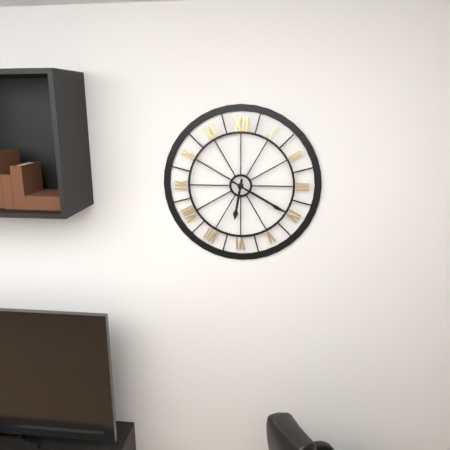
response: 6h20
